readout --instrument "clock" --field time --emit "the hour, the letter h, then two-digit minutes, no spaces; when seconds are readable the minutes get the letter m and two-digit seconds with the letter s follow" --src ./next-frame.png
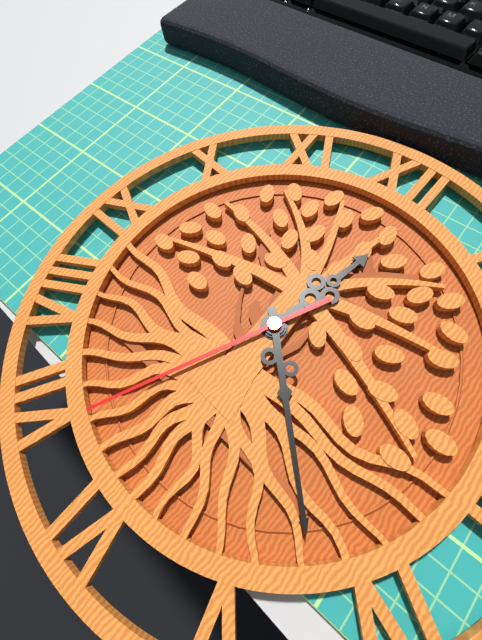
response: 12h22m34s
